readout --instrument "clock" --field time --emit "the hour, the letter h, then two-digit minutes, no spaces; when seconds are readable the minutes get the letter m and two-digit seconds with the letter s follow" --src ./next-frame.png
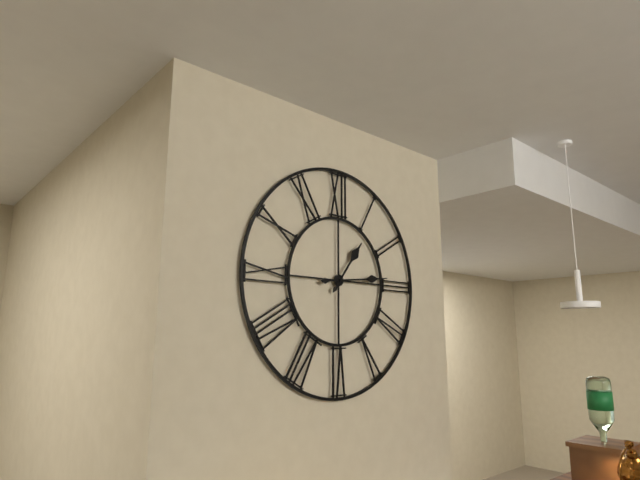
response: 1h14
